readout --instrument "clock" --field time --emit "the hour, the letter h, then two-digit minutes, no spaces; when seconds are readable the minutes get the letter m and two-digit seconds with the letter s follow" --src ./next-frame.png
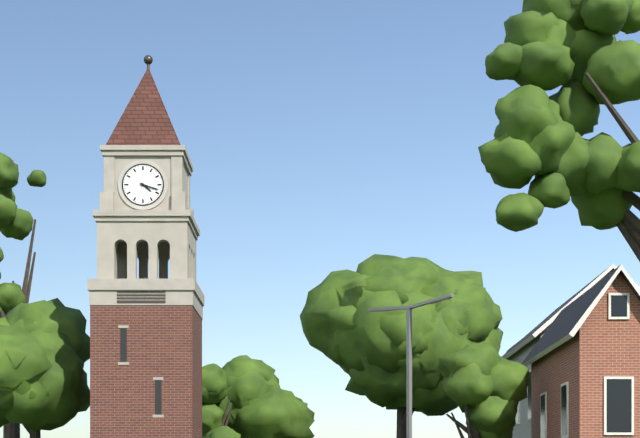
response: 4h18
